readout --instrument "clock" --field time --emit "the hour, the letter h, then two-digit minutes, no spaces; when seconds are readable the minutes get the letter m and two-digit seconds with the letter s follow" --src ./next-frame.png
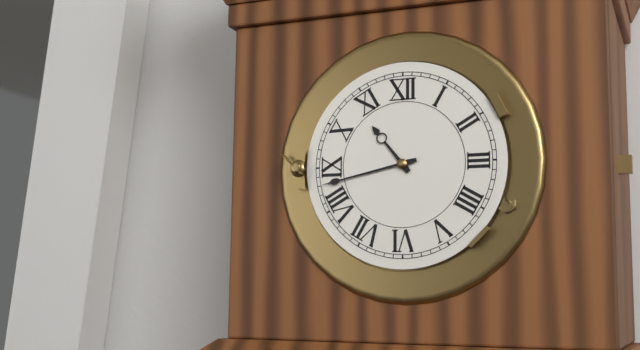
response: 10h43
